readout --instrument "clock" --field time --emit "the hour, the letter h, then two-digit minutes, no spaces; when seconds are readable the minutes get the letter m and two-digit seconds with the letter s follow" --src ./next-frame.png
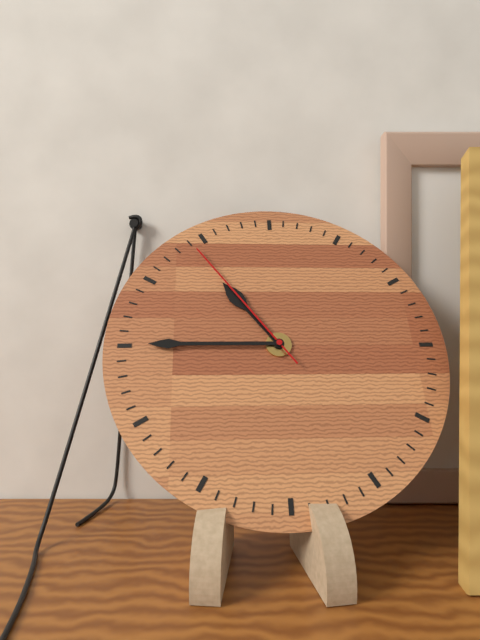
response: 10h45m54s
